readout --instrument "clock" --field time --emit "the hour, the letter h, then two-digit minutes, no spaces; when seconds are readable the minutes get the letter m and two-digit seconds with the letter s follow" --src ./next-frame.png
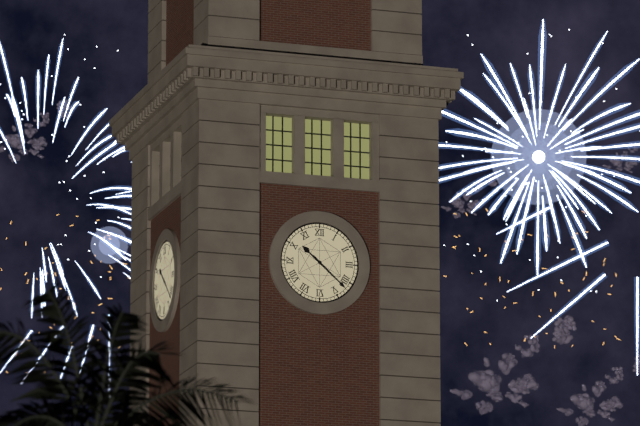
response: 10h22
